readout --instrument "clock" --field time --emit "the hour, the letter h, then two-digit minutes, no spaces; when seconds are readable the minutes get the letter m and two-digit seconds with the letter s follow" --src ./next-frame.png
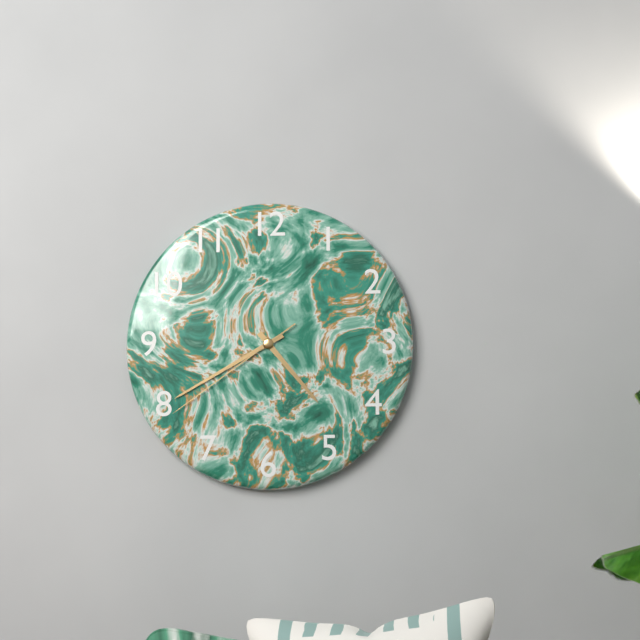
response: 4h40m39s
